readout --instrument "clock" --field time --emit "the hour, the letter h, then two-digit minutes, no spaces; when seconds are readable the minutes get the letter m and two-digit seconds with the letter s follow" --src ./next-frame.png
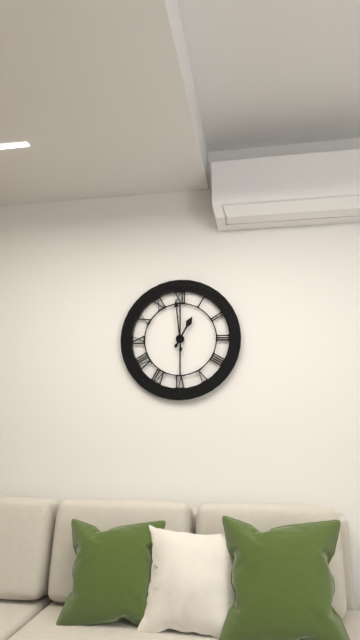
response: 12h59
